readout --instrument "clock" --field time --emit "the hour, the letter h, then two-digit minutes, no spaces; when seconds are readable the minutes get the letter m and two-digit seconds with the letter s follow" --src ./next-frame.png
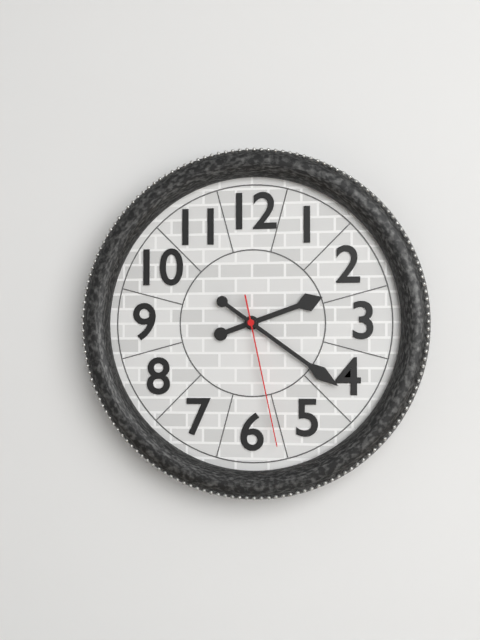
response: 2h21m28s
